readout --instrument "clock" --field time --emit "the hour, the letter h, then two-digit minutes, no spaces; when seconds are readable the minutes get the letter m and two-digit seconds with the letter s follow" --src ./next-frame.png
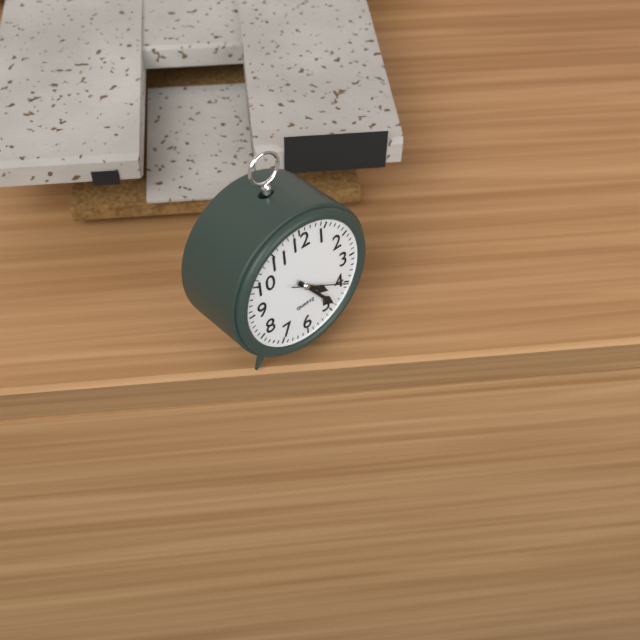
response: 4h24m20s
